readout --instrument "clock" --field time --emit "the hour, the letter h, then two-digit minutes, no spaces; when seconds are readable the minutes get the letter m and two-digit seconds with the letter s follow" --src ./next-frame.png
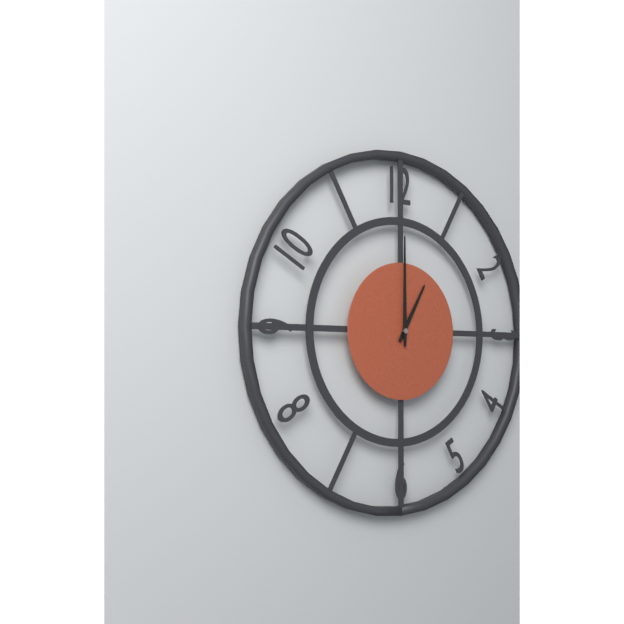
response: 1h00
